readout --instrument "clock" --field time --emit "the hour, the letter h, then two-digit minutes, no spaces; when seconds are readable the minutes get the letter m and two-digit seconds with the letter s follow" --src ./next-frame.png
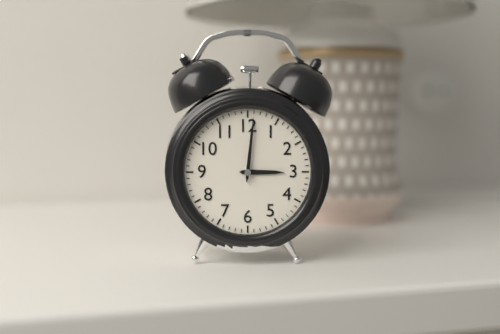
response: 3h01
